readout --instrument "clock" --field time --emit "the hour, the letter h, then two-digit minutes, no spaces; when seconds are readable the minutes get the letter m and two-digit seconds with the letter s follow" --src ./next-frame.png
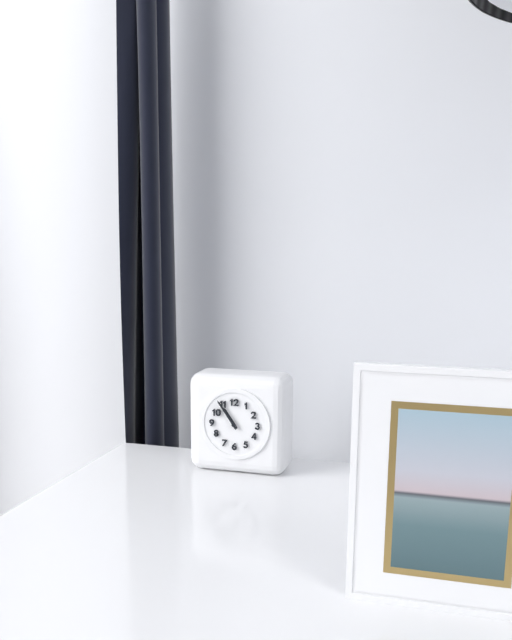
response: 10h54
